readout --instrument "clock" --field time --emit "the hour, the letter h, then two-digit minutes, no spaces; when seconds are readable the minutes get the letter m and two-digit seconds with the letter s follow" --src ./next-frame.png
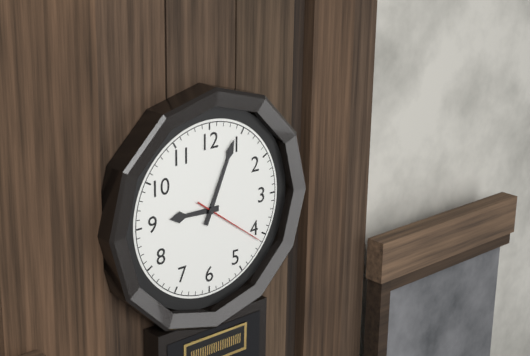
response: 9h04m21s
